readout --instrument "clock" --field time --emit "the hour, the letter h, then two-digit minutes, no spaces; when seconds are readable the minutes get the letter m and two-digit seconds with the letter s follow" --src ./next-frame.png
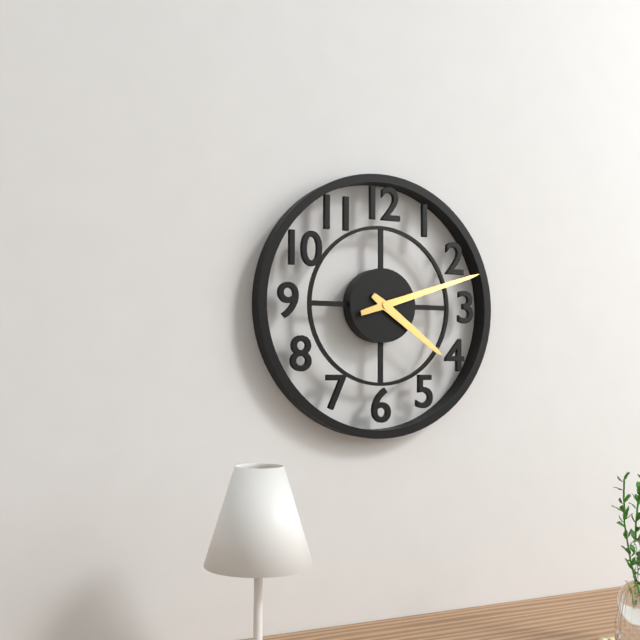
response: 4h12
